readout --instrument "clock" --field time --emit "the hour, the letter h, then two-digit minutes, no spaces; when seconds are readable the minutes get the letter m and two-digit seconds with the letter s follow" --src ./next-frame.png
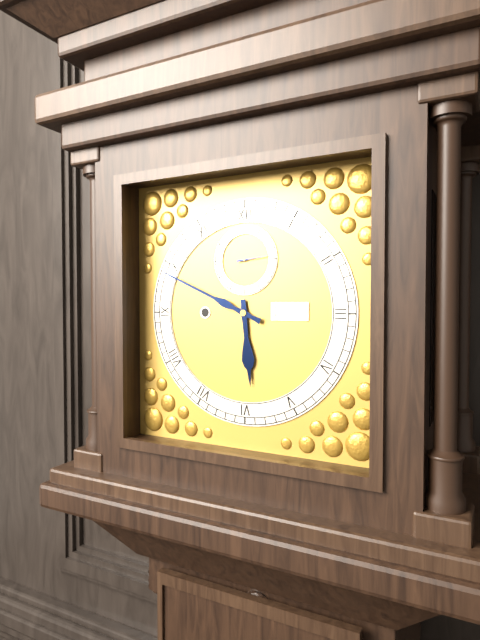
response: 5h49
